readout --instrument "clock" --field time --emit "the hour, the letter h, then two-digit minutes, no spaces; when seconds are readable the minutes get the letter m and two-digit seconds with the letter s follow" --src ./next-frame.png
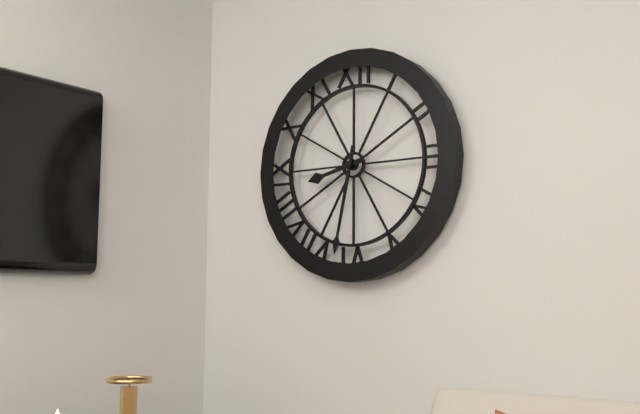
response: 8h32
